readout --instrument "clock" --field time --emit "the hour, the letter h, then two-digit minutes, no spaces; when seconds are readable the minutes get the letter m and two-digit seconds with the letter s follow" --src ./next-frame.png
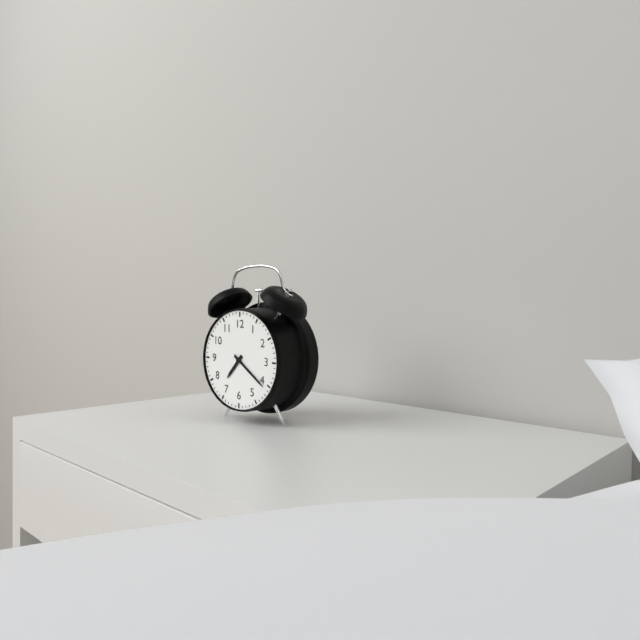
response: 7h21
